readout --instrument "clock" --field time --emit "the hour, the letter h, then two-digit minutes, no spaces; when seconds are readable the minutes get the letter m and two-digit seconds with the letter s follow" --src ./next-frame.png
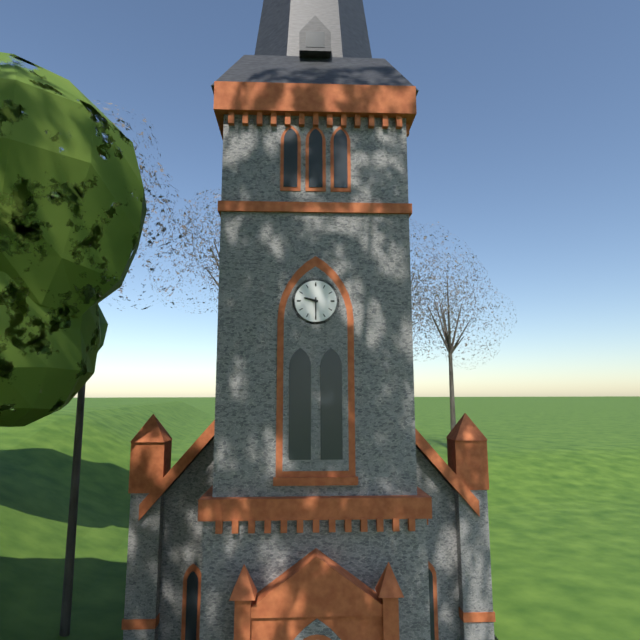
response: 9h30
